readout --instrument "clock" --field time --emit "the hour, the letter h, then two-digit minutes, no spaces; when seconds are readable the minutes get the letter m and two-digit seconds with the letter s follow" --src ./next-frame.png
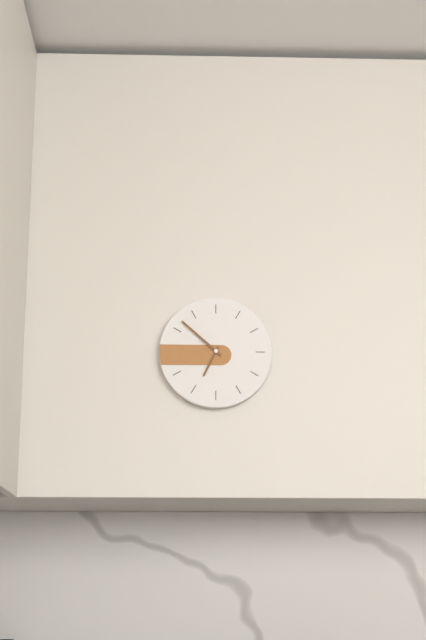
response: 6h52
